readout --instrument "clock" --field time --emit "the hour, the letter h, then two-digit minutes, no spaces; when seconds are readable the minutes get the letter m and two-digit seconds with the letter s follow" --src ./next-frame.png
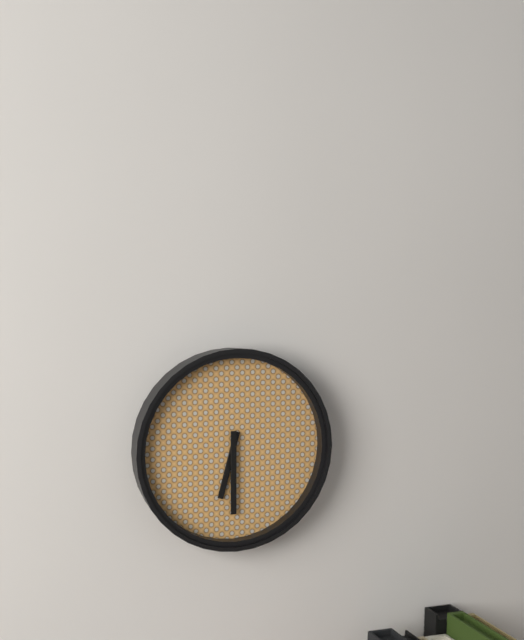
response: 6h30
